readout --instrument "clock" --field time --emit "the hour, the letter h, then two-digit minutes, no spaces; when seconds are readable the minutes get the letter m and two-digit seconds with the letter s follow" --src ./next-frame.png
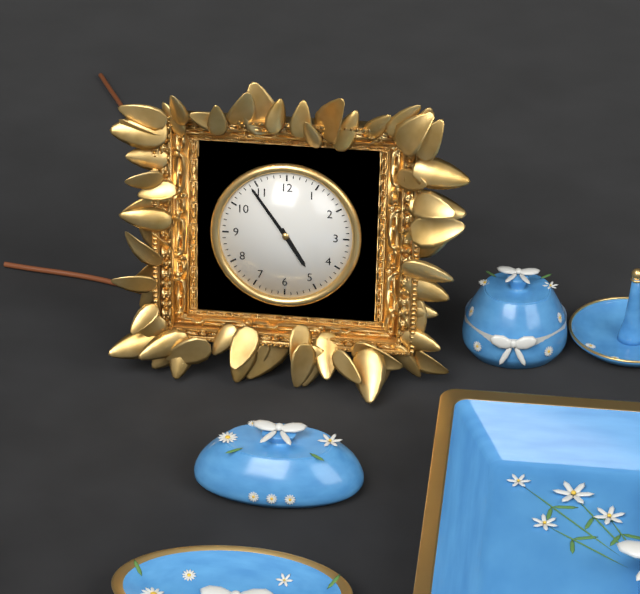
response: 4h54
